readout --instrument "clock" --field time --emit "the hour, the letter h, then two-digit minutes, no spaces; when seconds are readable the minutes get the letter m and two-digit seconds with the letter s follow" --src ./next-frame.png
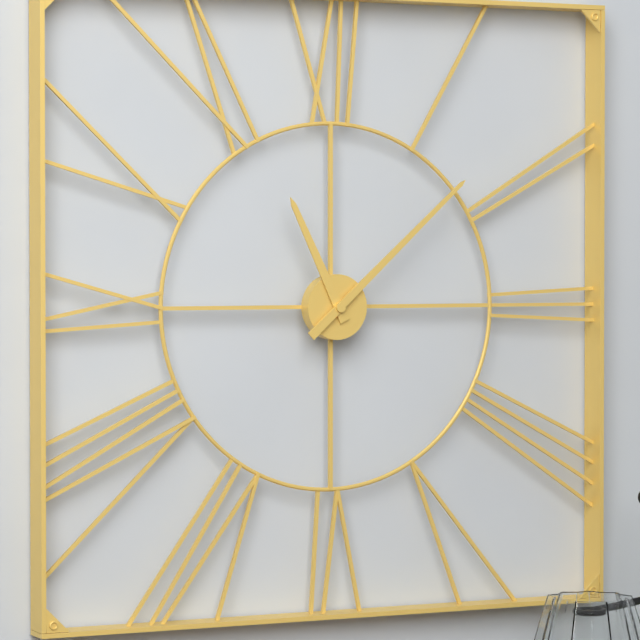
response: 11h08
